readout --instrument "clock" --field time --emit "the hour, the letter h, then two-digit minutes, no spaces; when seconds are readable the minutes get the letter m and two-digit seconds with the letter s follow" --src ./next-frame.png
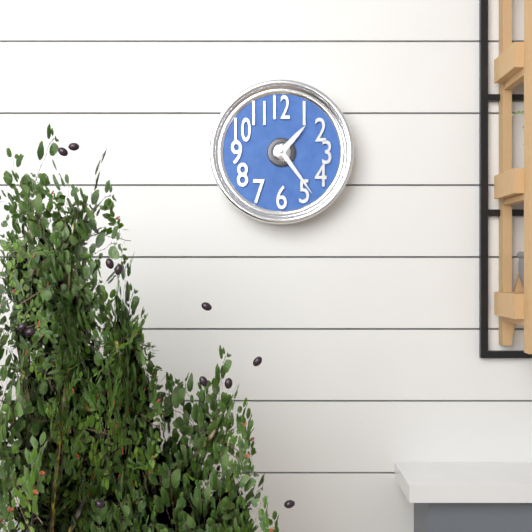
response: 1h24
